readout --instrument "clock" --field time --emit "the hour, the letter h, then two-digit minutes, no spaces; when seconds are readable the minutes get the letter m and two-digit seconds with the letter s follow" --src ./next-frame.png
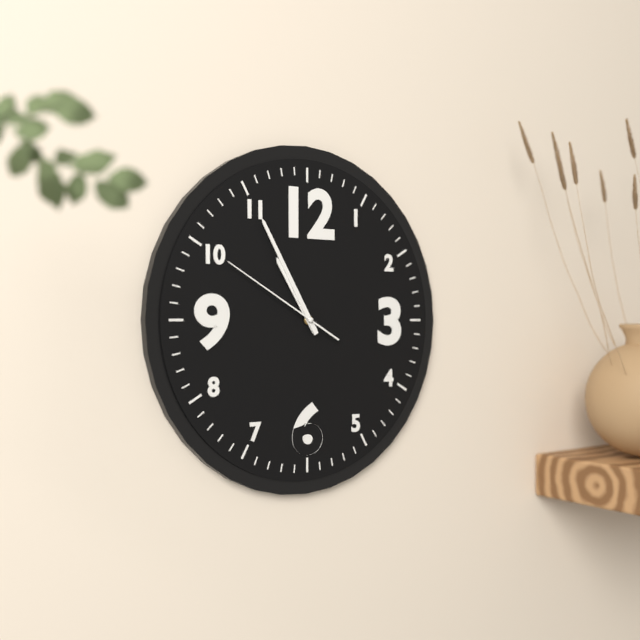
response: 10h55m50s
